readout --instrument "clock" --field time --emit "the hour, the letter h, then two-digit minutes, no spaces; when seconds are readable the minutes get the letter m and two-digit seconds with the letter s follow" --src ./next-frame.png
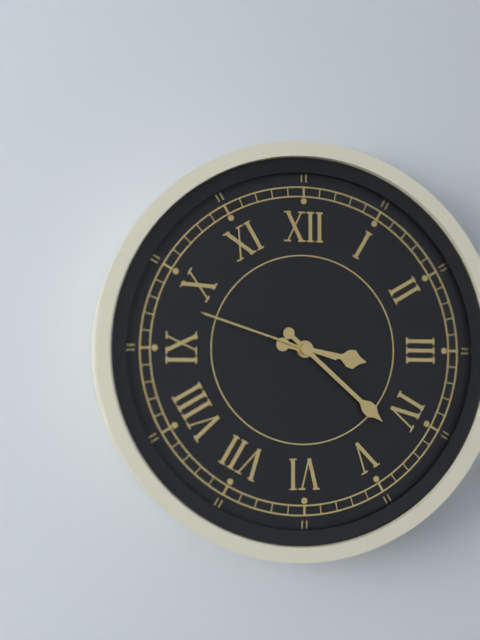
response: 3h22m48s
